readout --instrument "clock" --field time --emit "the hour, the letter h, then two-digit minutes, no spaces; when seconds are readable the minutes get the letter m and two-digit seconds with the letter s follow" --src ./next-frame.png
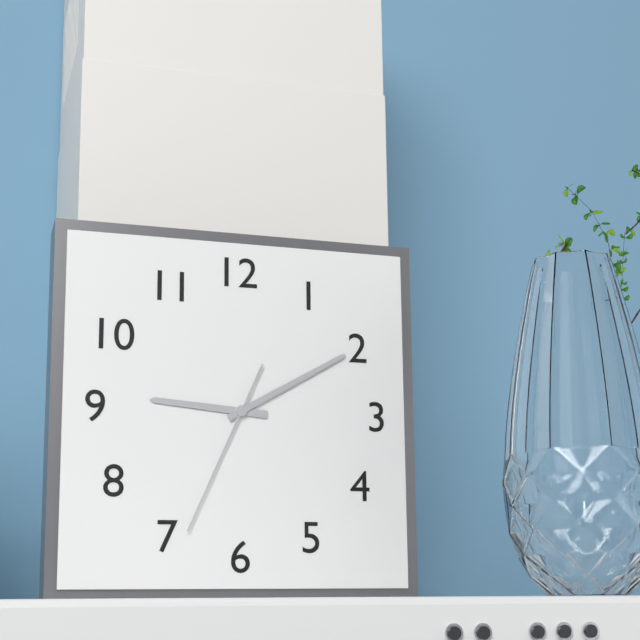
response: 9h10m34s
